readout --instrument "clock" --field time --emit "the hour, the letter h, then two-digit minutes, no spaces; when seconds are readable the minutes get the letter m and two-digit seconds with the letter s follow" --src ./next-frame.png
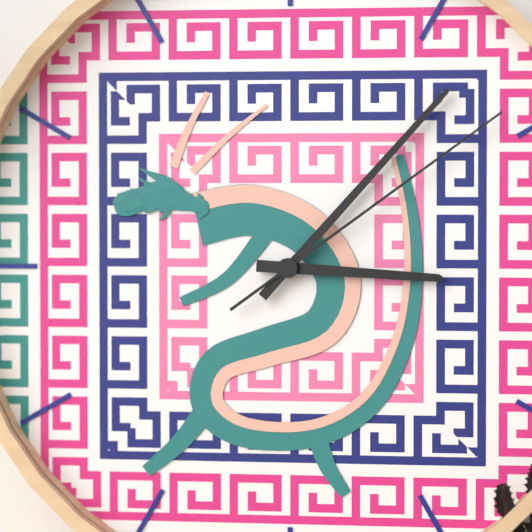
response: 3h07m09s
